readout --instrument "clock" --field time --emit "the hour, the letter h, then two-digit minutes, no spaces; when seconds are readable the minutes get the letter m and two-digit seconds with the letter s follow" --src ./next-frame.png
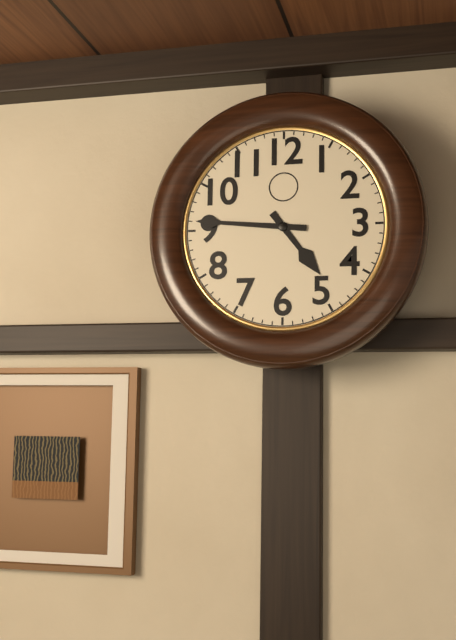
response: 4h46
